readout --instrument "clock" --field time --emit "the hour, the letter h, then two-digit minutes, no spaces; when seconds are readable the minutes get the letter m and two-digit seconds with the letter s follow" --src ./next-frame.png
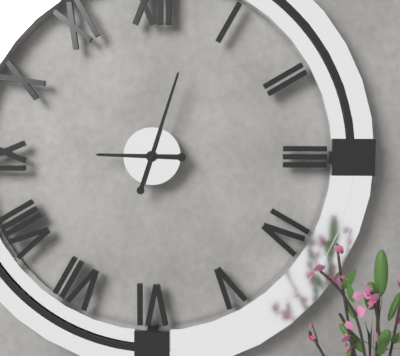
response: 9h03
